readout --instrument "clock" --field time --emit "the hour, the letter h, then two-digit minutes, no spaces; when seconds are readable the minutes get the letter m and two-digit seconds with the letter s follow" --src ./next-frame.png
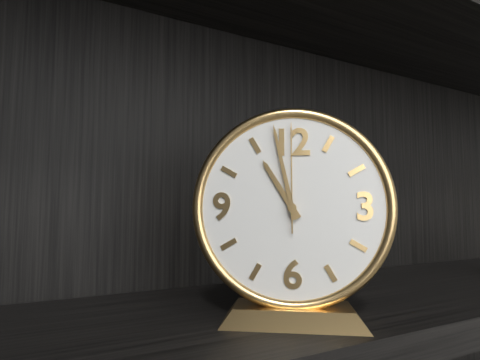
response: 10h58m00s
